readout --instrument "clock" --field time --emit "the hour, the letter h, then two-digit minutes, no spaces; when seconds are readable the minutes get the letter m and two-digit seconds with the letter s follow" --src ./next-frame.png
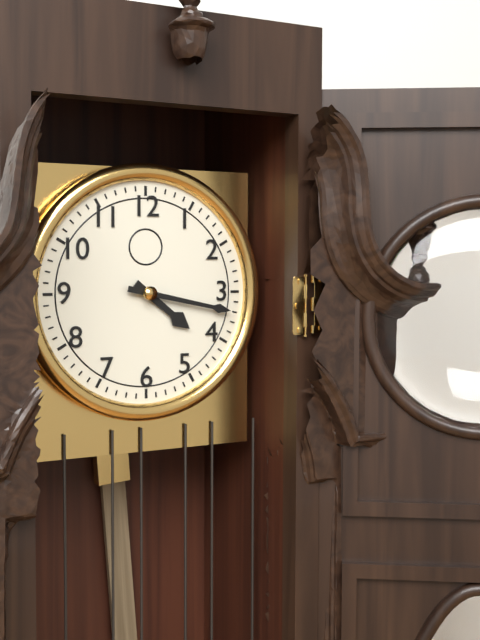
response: 4h17
